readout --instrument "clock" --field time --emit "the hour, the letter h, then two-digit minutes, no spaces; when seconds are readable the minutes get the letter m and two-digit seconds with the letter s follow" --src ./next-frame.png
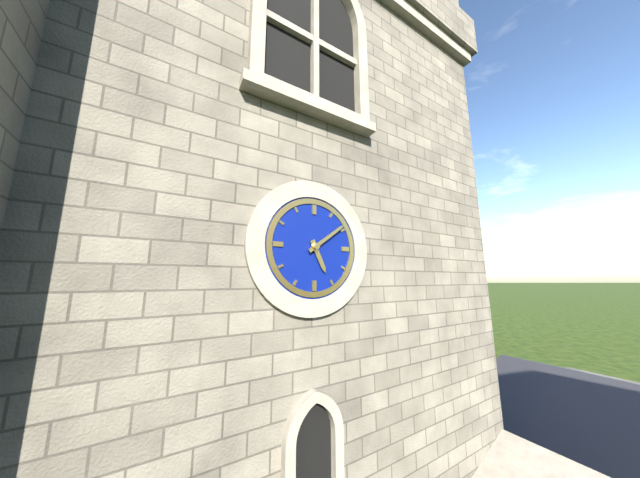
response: 5h09
